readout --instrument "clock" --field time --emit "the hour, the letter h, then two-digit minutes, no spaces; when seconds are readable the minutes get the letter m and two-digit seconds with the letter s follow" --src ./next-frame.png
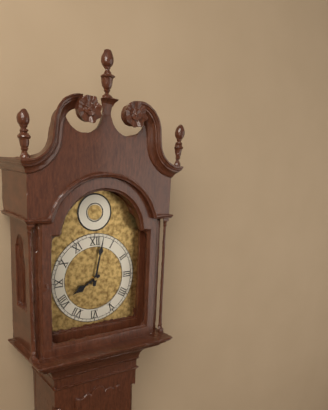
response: 8h02
